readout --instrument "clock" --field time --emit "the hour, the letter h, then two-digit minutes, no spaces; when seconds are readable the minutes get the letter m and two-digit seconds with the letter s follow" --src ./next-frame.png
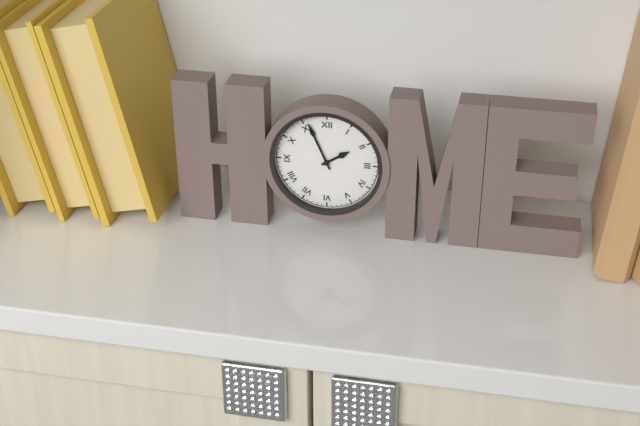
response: 1h56
